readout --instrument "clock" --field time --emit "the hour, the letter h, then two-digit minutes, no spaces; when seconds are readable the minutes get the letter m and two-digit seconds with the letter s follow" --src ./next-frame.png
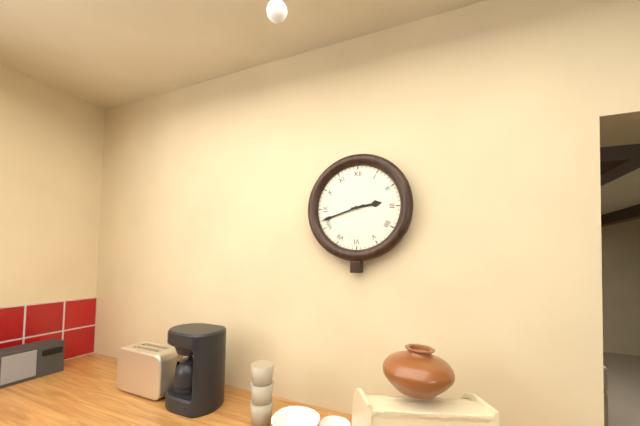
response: 2h42
